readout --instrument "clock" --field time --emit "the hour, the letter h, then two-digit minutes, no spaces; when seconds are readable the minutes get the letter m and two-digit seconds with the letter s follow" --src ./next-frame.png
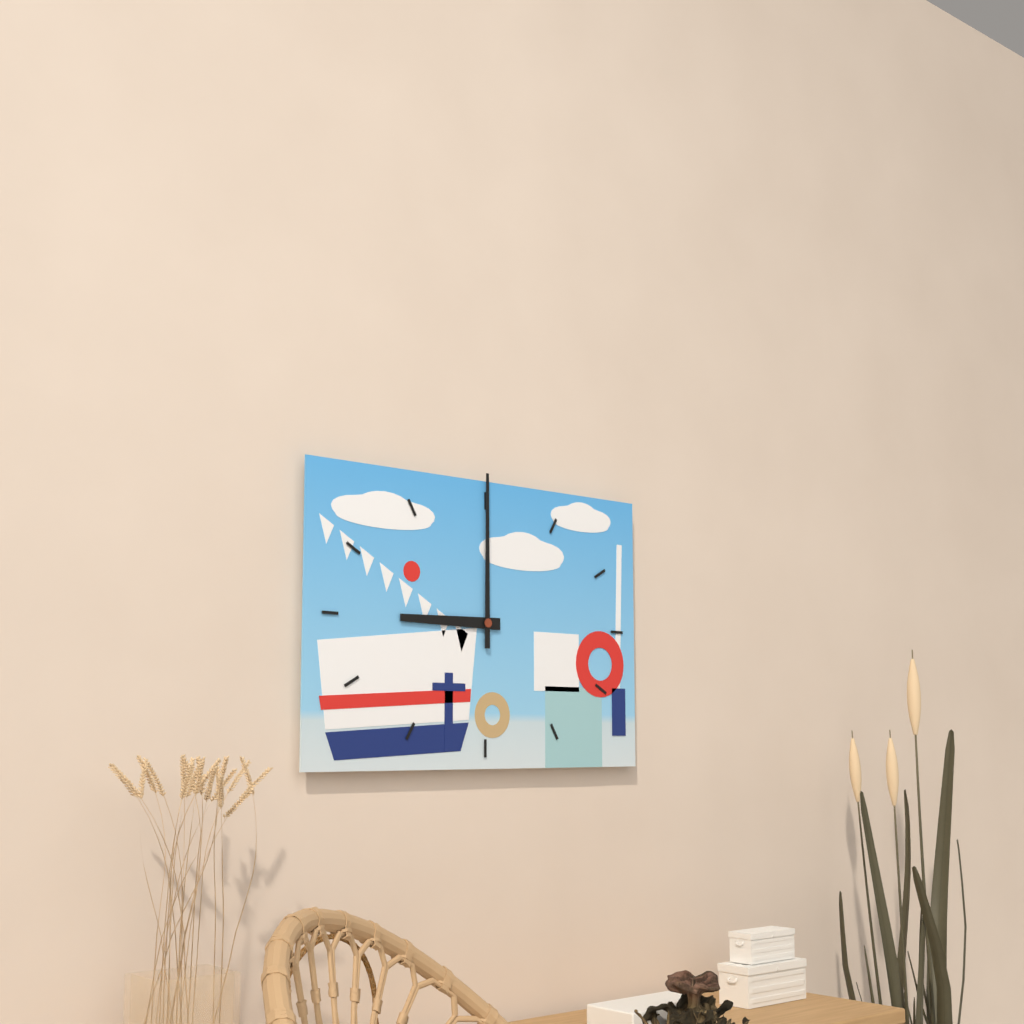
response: 9h00
